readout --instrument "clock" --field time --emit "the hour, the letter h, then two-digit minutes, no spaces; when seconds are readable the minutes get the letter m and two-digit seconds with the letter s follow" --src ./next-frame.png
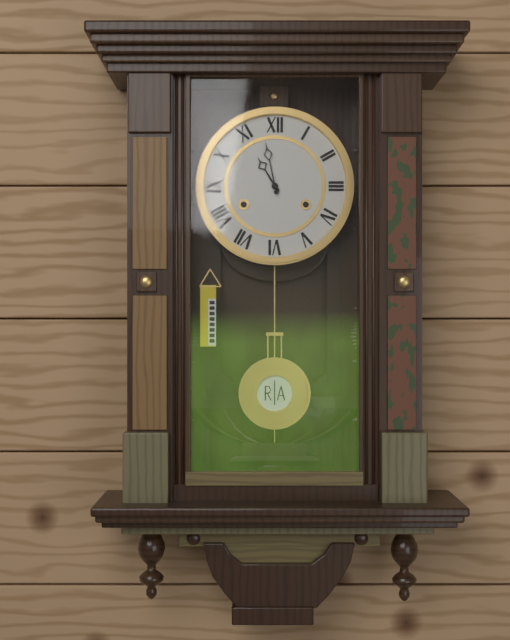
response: 10h58
